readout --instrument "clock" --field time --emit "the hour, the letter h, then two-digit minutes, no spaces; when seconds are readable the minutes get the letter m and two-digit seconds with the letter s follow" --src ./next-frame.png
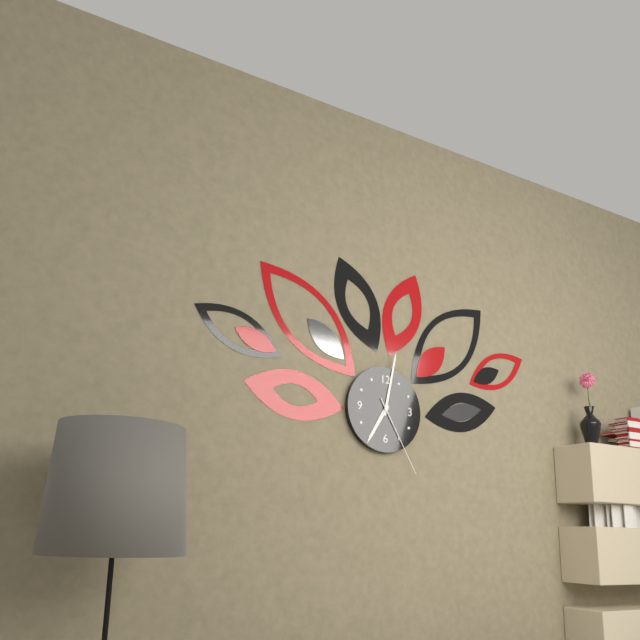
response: 7h02m25s
